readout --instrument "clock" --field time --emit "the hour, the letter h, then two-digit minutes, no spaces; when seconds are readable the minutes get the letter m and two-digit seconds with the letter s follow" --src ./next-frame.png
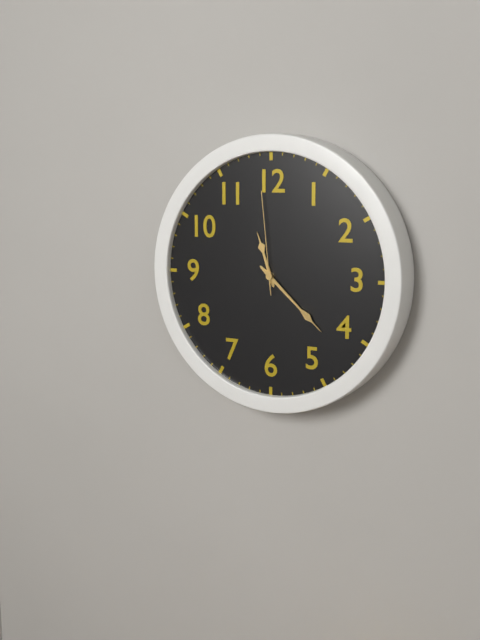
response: 11h22m59s
